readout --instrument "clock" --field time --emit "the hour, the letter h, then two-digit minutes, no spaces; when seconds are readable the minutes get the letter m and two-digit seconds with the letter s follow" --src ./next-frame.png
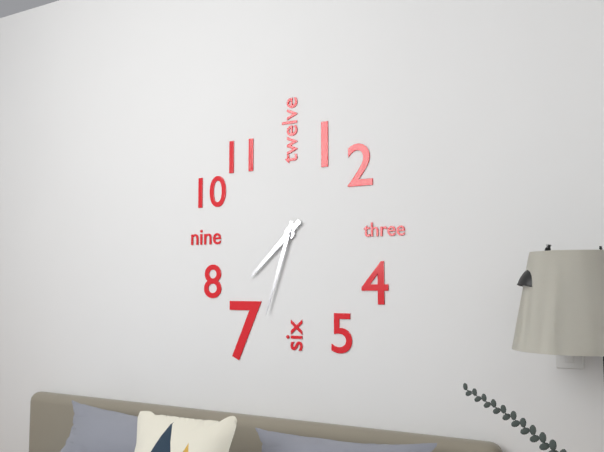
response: 7h33
